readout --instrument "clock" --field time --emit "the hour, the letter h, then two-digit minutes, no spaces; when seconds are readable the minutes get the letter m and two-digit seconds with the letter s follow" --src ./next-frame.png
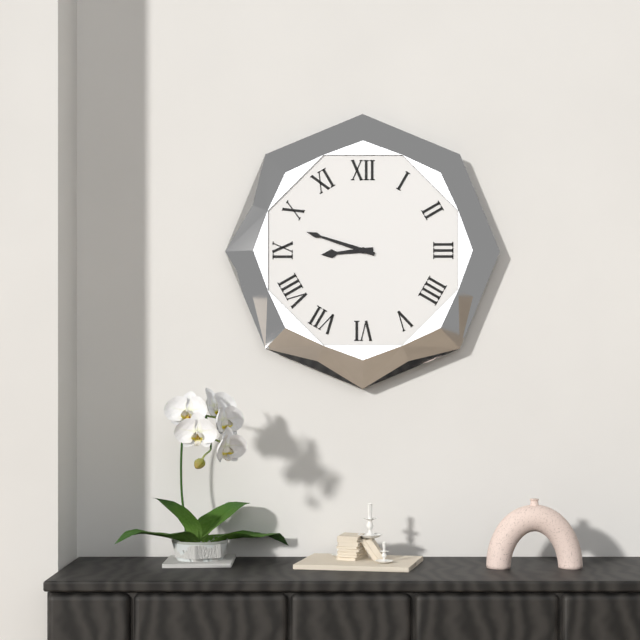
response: 8h48
